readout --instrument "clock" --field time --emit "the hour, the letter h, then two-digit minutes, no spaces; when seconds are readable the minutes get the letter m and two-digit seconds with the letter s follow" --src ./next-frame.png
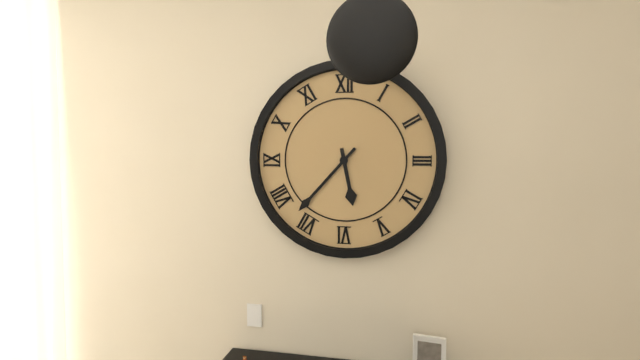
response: 5h37
